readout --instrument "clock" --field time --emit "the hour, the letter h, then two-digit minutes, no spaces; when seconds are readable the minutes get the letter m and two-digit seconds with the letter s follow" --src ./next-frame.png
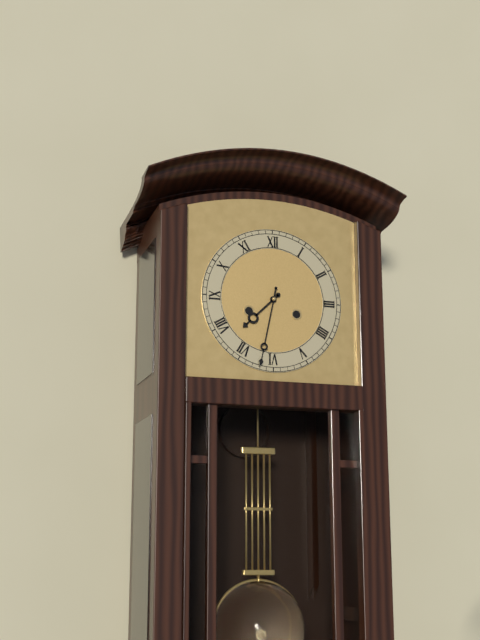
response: 7h32
